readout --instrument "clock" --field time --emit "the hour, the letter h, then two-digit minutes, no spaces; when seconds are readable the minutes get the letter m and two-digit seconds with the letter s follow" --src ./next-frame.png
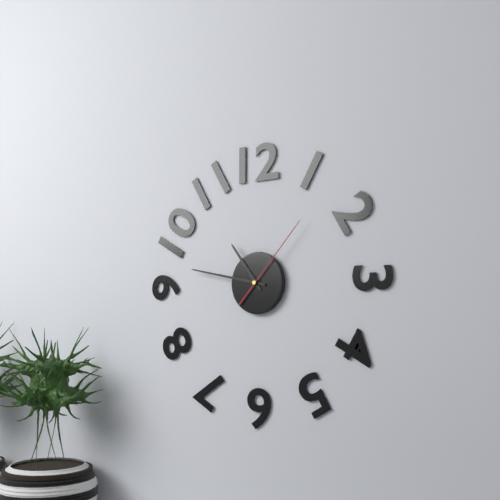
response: 10h47m07s
